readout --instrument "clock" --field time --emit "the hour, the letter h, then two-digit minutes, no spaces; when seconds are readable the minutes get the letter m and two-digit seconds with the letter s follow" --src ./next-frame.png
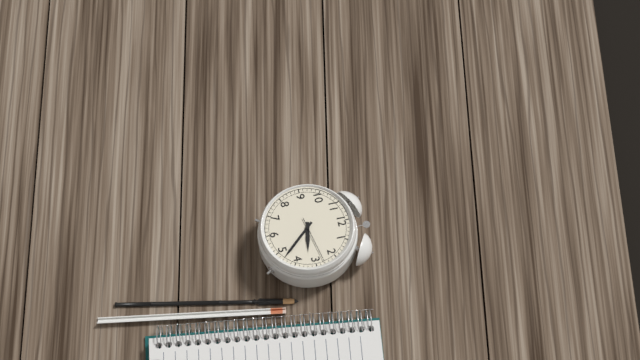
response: 3h23
